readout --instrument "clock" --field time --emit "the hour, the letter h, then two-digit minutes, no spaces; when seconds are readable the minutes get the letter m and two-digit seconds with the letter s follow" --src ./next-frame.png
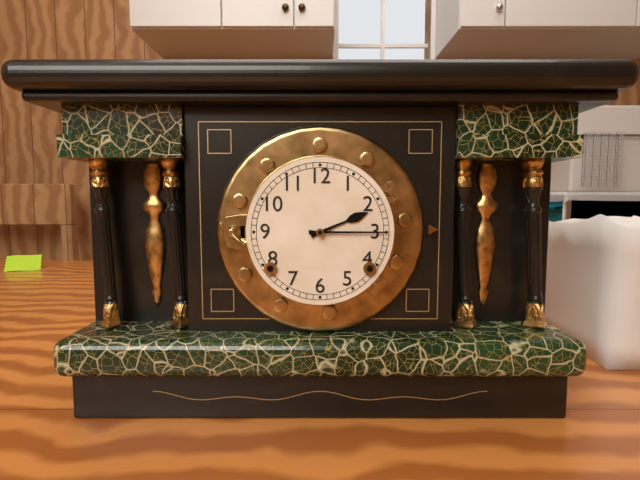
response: 2h15
